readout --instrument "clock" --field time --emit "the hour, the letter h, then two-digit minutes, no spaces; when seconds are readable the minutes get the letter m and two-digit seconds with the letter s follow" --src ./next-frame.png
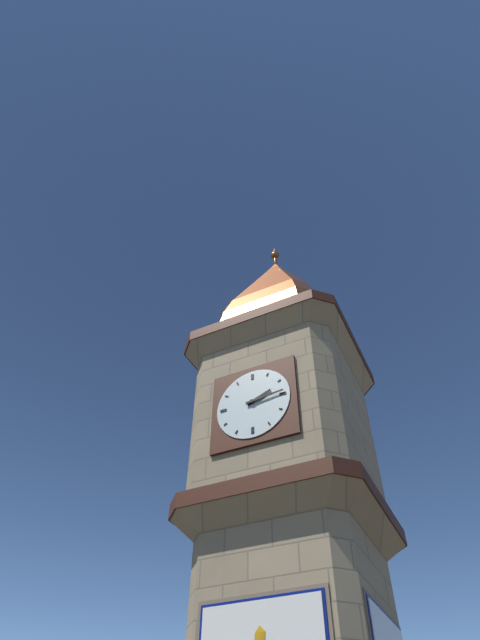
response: 2h14
